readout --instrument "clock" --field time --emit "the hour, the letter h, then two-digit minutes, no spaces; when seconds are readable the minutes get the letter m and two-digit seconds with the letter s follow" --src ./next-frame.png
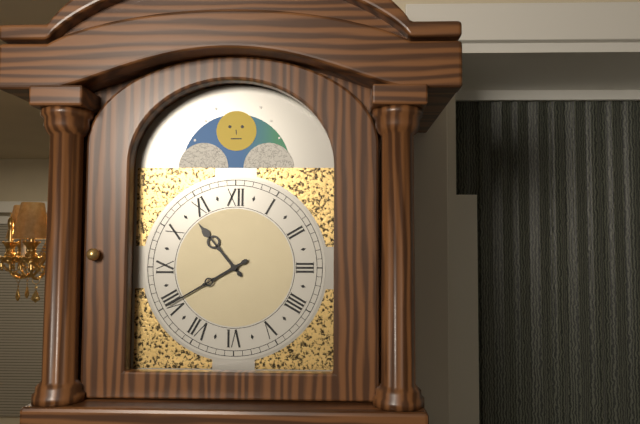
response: 10h40
